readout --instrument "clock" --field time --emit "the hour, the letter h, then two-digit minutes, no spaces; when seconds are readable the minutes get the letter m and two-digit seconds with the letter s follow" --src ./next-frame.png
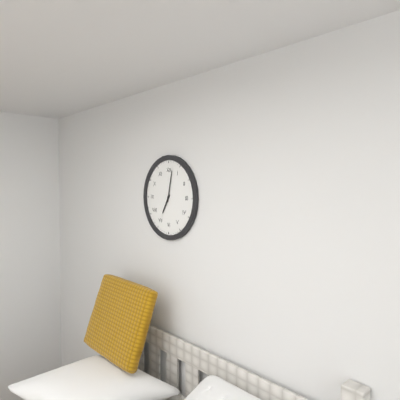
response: 7h02
